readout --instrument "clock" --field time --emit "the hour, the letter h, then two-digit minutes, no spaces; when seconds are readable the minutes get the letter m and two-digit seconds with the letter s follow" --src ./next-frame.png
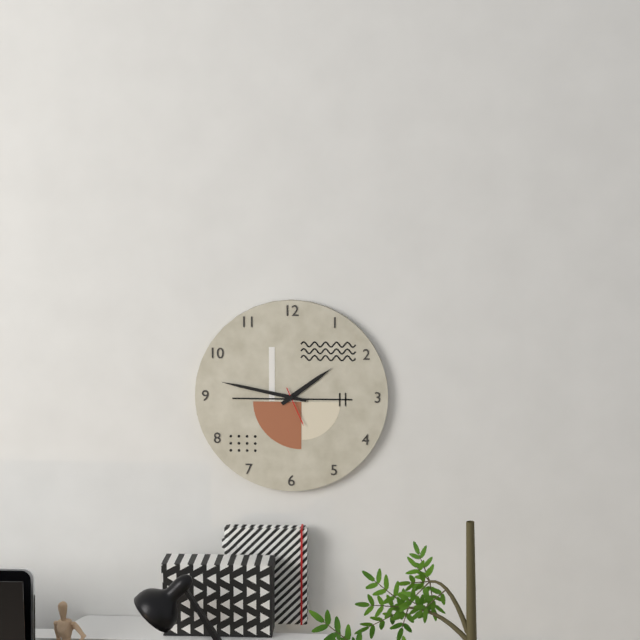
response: 1h47
